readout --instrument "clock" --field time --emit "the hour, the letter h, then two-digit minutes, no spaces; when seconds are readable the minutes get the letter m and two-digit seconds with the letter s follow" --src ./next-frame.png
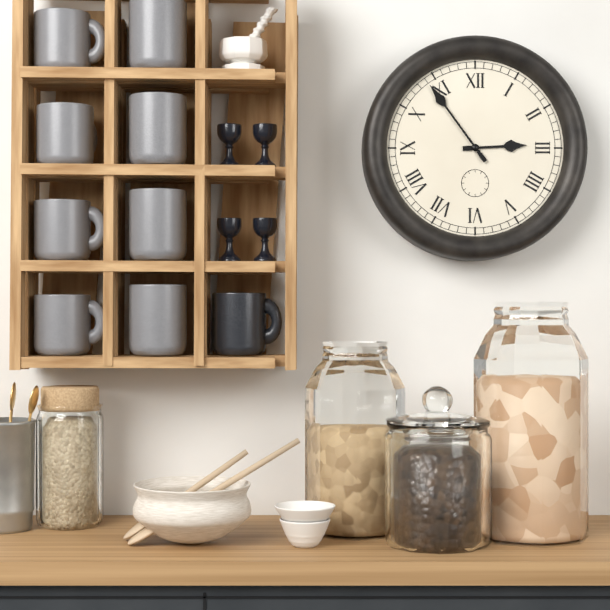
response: 2h54
